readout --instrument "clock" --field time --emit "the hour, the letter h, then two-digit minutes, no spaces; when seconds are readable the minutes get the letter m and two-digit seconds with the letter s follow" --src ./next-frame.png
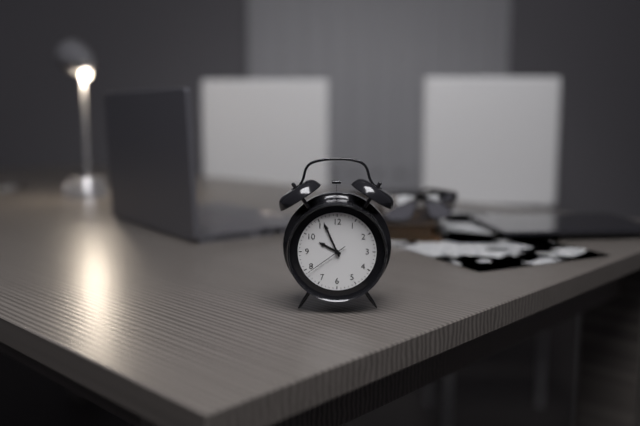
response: 9h56
